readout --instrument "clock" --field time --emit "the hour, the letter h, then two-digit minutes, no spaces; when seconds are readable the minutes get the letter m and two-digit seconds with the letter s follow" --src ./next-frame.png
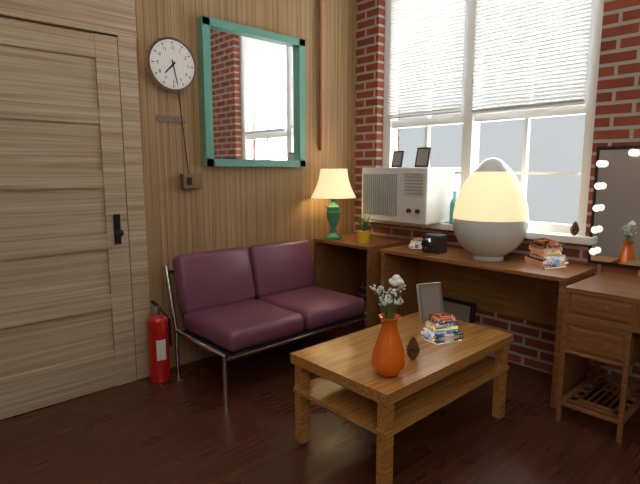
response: 7h28
